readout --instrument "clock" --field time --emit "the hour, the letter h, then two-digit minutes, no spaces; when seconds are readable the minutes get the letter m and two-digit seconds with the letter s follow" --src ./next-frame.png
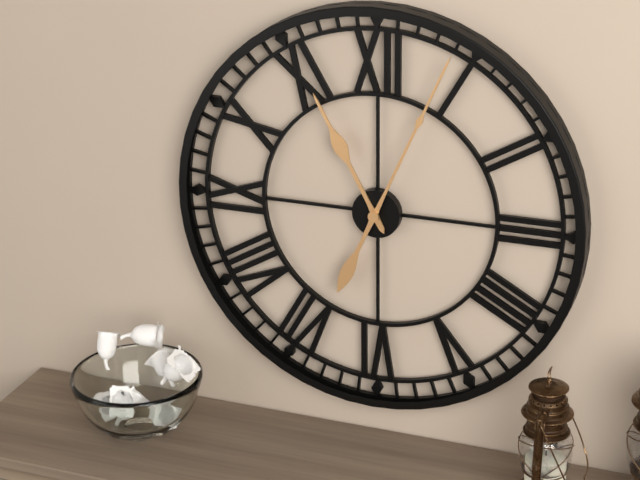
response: 11h04
